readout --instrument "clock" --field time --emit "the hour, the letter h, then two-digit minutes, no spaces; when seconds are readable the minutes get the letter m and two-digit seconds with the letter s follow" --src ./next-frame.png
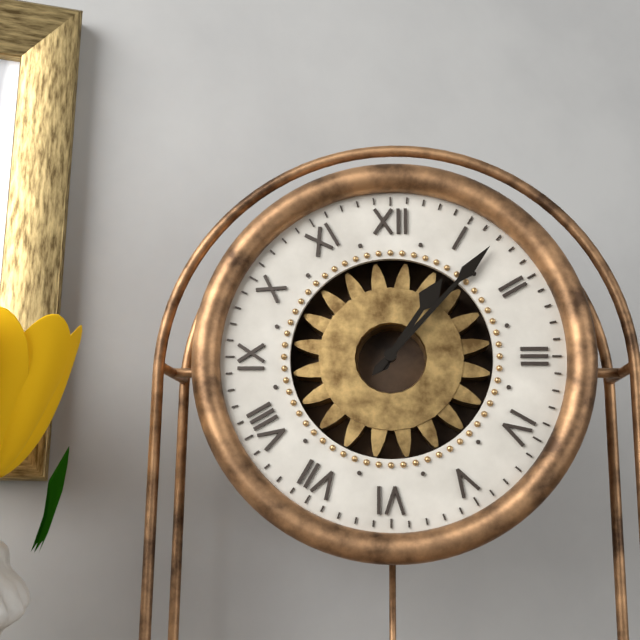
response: 1h07
